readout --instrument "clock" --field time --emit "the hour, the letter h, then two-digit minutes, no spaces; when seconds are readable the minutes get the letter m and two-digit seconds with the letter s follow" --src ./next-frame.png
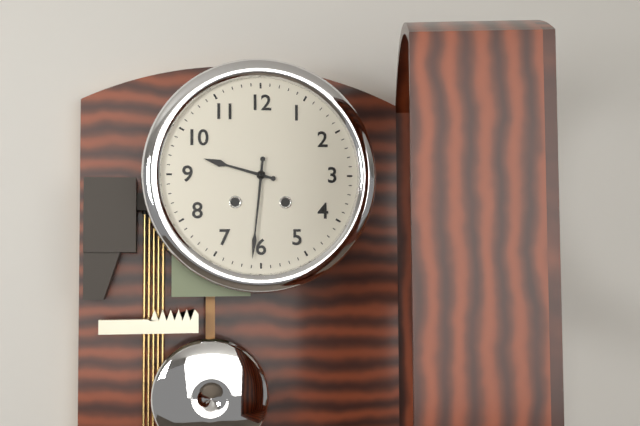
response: 9h31
